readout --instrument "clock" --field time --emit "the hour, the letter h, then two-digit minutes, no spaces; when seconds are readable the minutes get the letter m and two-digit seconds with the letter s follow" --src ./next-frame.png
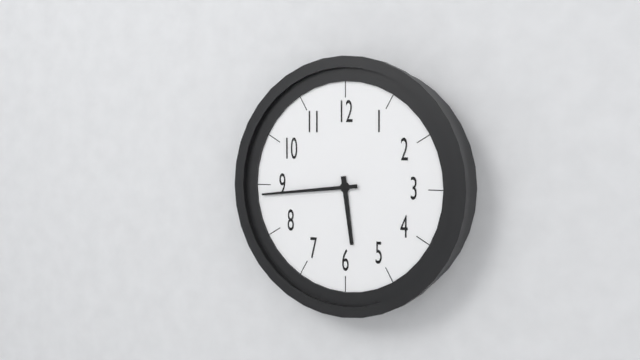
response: 5h44
